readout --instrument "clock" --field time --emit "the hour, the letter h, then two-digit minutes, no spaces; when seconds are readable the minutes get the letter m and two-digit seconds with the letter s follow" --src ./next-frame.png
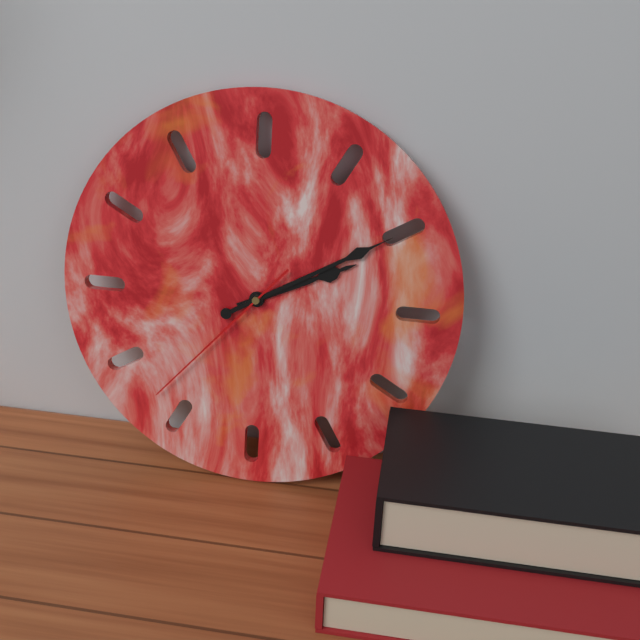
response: 2h10m37s
